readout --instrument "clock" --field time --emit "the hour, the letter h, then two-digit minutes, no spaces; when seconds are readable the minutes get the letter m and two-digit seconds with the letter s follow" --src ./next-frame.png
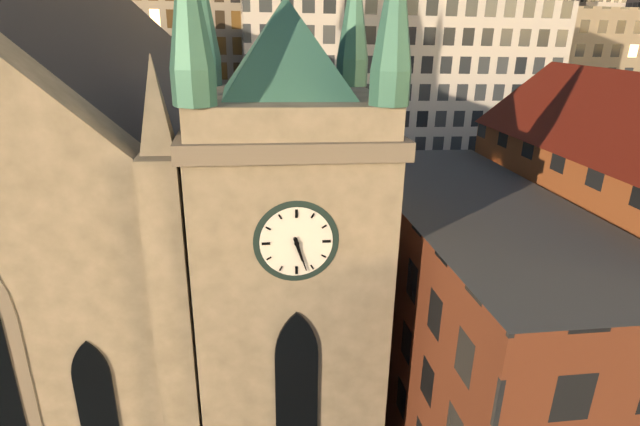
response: 5h27
